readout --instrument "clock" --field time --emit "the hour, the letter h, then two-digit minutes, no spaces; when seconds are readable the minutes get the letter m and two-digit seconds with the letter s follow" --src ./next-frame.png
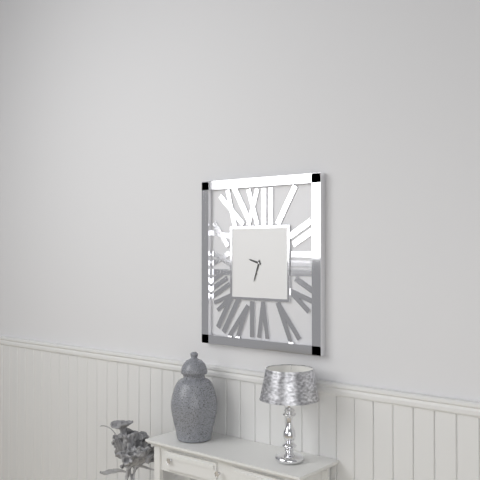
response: 9h33
